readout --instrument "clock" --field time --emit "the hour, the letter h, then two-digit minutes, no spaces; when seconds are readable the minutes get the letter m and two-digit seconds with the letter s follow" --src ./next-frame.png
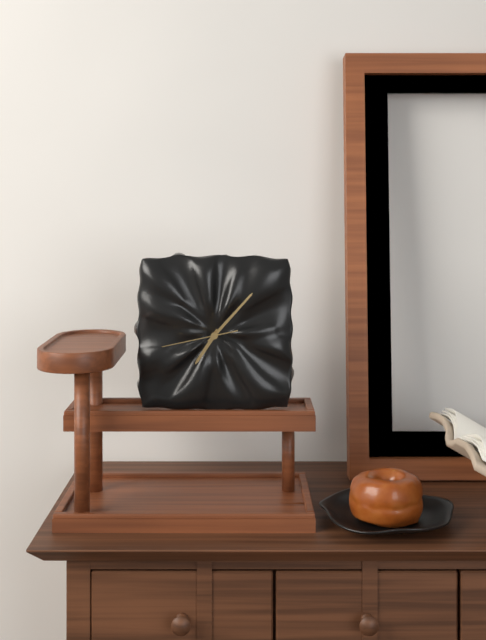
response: 7h07m43s
